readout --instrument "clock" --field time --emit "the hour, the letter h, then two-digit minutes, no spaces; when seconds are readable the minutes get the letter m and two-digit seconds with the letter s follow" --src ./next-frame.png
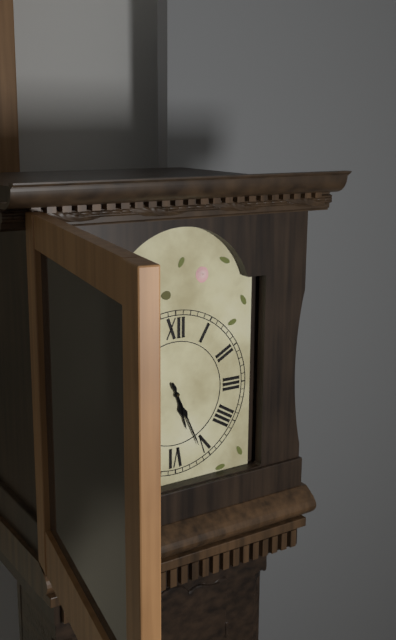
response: 5h26
